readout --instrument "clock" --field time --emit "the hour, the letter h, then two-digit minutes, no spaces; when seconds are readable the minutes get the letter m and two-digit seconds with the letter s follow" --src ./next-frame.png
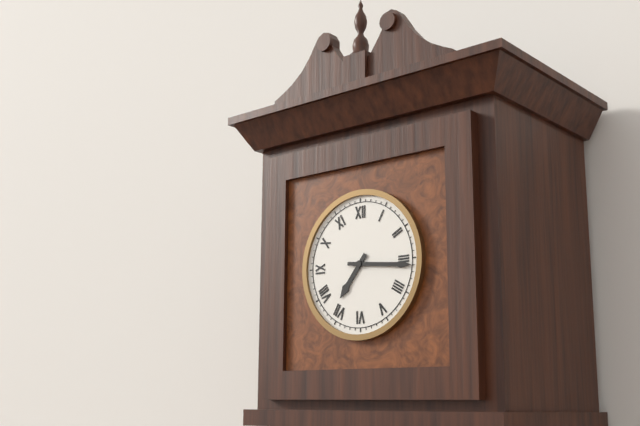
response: 7h16
